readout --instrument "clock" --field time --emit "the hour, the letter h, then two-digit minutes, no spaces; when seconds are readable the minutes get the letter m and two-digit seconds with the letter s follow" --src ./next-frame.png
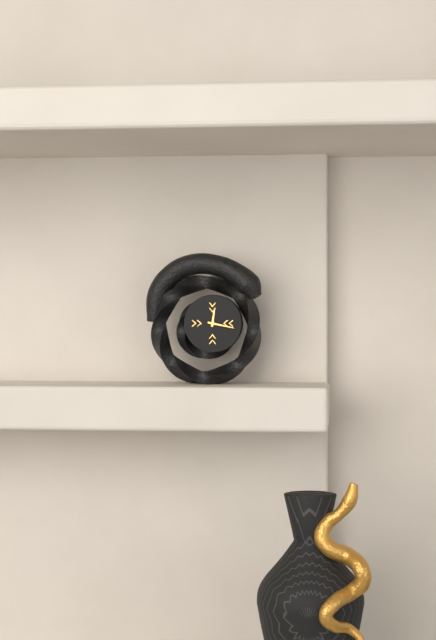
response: 12h17
